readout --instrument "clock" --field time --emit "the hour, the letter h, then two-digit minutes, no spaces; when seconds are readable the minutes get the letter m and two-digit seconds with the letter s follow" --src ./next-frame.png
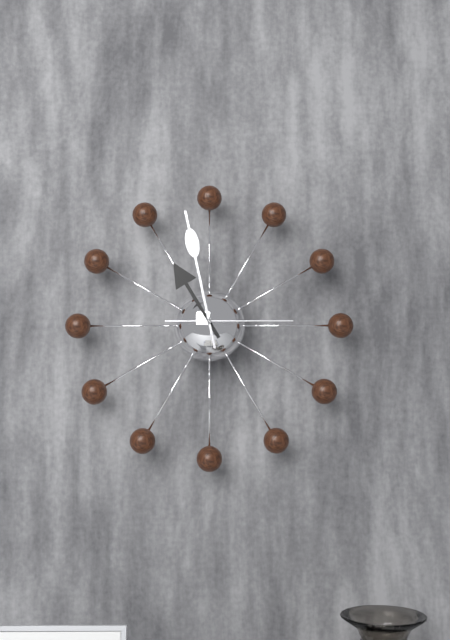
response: 10h58m15s
